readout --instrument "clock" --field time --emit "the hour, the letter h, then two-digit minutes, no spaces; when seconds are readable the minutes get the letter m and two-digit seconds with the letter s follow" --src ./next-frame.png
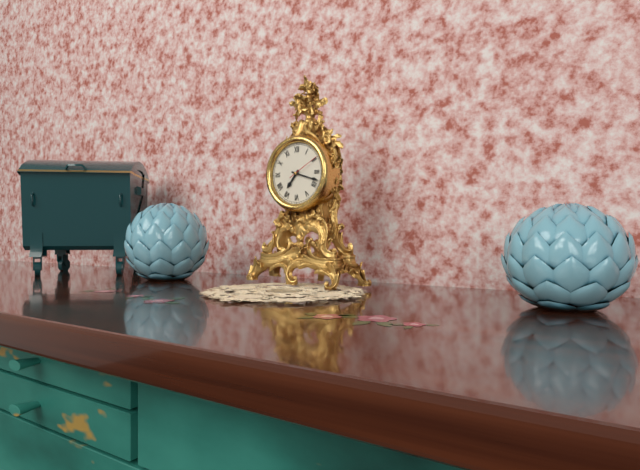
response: 7h18
